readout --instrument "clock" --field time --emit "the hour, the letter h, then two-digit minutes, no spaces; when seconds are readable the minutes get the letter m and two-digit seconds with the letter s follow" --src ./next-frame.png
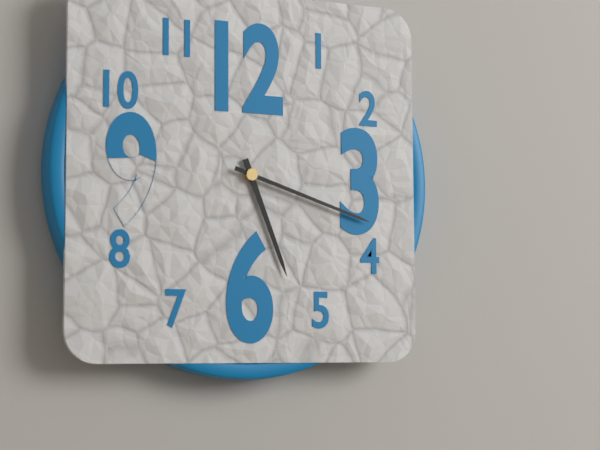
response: 5h18
